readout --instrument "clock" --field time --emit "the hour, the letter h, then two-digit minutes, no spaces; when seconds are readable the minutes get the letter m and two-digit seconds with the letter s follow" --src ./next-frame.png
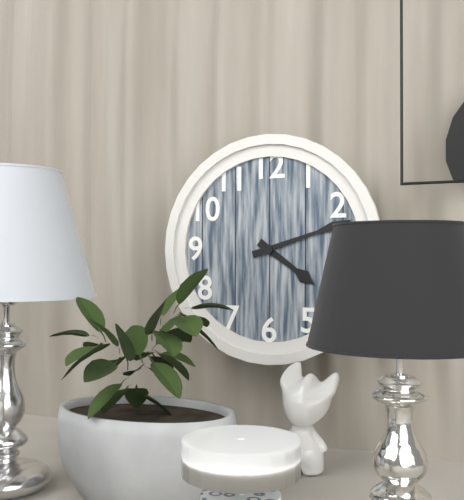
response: 4h12
